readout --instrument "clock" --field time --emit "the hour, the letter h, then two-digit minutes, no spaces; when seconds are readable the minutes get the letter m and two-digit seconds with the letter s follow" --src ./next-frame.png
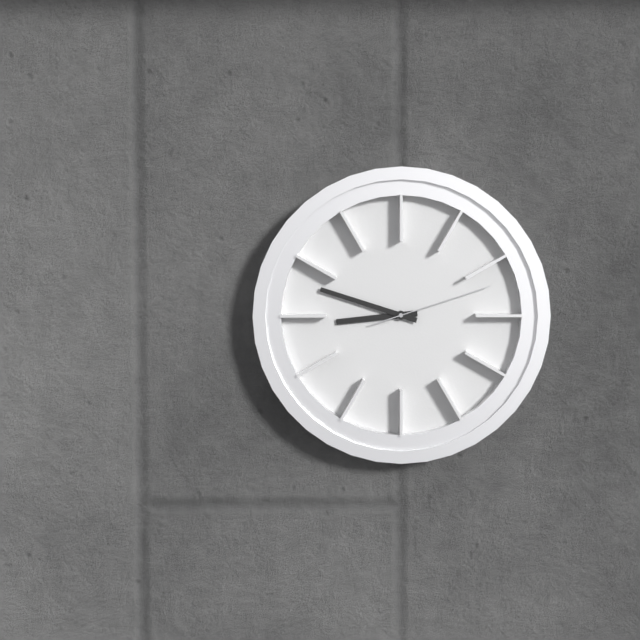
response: 8h48m12s
